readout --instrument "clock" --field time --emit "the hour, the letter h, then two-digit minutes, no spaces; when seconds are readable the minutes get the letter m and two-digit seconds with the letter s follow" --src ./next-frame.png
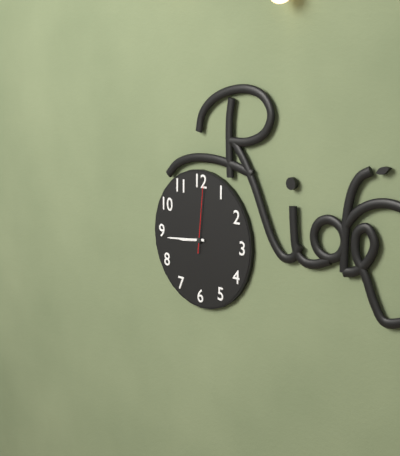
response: 8h44m01s
